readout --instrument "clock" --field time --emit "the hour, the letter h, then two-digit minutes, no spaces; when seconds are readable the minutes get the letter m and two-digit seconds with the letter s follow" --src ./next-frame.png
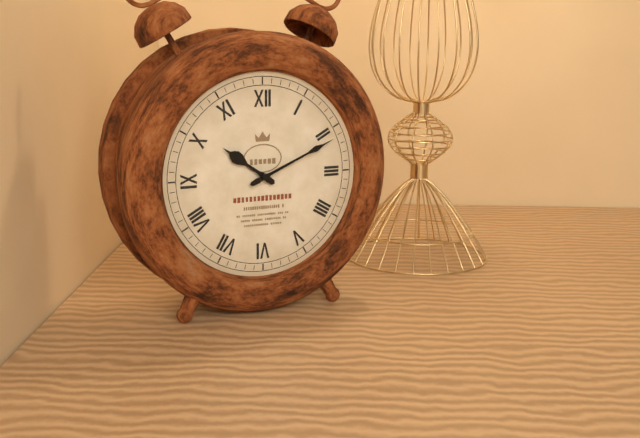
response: 10h11
